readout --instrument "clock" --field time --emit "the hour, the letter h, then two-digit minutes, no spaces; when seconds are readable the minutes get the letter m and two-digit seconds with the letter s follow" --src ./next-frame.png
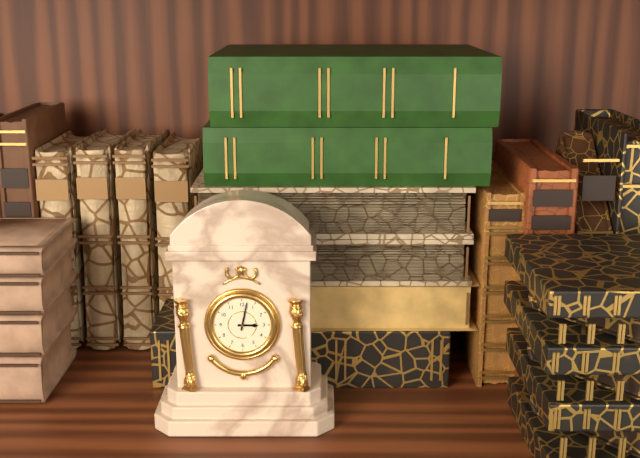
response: 3h02
